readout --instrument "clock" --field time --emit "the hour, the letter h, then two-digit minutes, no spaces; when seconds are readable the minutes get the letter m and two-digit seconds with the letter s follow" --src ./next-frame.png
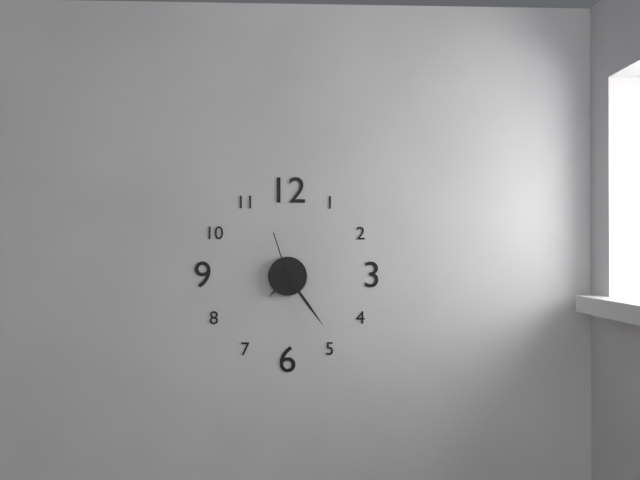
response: 7h24m57s
